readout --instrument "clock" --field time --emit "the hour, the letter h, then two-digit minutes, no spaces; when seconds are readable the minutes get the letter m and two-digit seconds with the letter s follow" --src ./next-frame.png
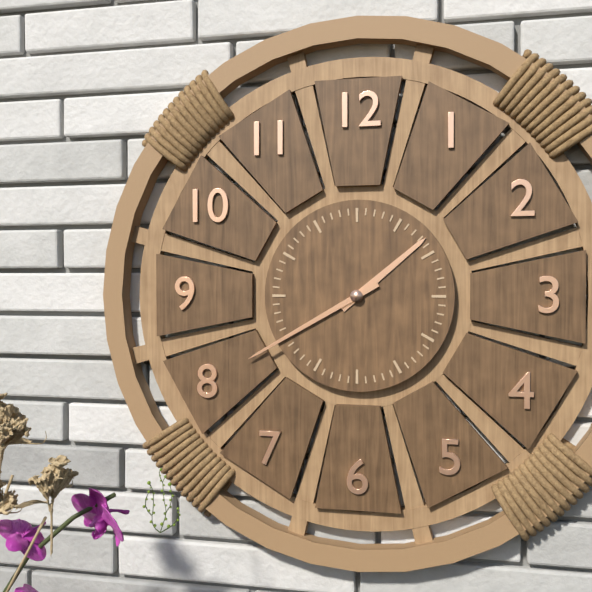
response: 1h40
